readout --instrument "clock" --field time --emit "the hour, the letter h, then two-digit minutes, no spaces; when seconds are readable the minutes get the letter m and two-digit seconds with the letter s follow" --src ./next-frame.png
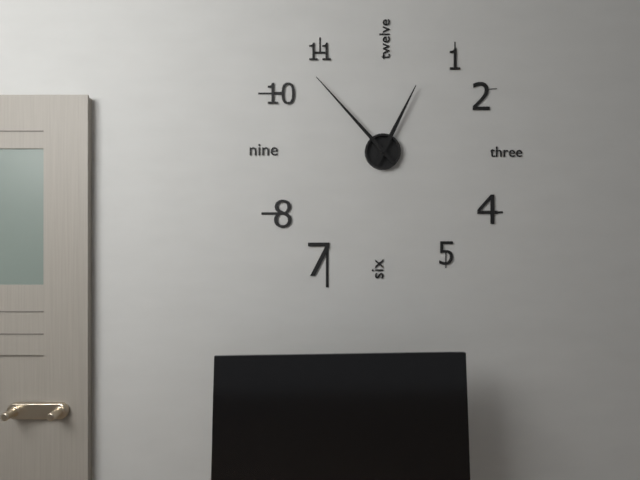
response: 12h53
